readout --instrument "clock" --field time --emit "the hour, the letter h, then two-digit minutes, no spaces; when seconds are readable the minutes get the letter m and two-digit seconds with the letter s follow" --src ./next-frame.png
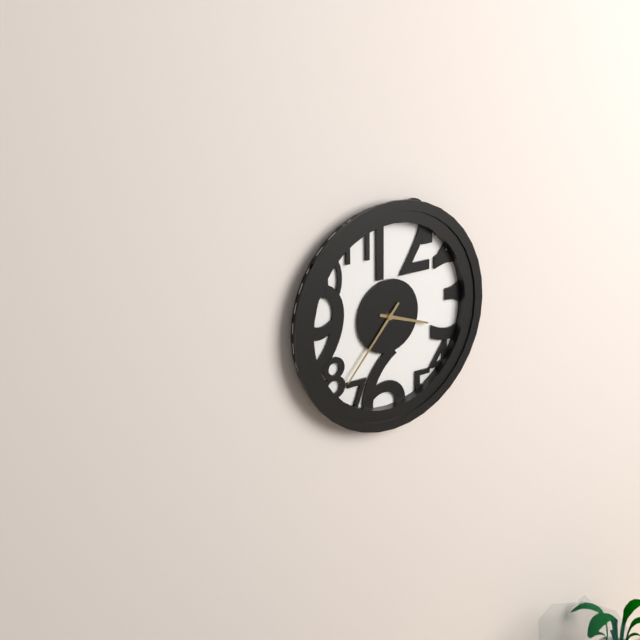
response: 3h37
